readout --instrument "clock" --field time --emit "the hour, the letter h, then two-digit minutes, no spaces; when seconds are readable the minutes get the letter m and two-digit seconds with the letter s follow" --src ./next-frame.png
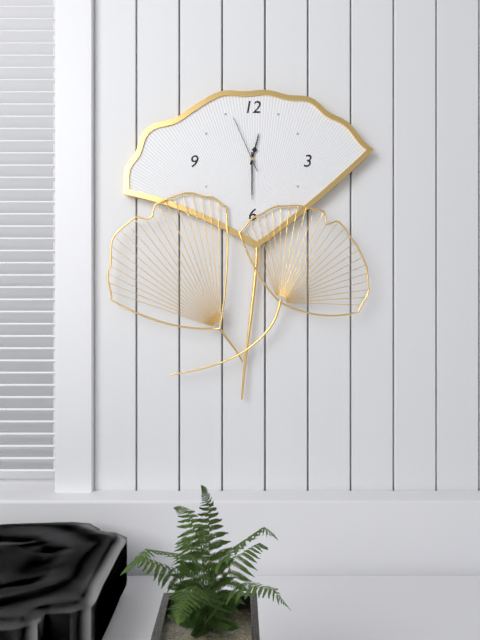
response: 12h30m56s
